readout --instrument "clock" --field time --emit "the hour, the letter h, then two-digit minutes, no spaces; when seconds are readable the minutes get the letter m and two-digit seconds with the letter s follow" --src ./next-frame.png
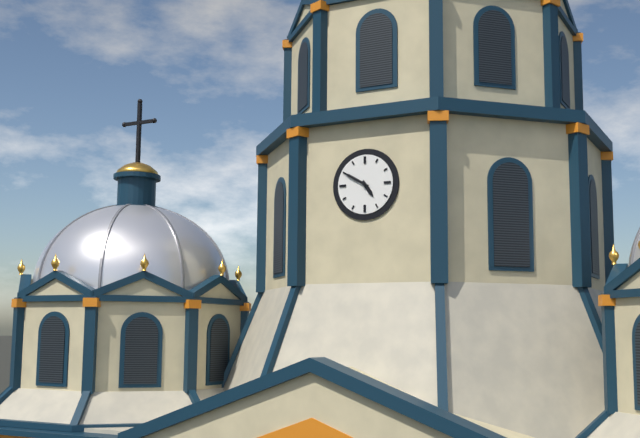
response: 4h50
